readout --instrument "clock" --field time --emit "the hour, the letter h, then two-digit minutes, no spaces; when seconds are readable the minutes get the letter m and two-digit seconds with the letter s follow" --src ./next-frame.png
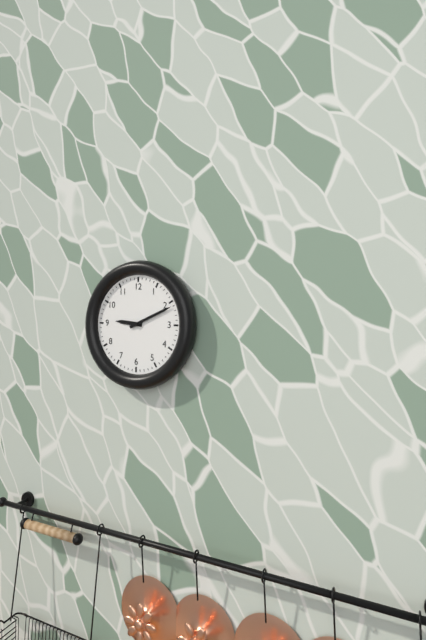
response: 9h11
